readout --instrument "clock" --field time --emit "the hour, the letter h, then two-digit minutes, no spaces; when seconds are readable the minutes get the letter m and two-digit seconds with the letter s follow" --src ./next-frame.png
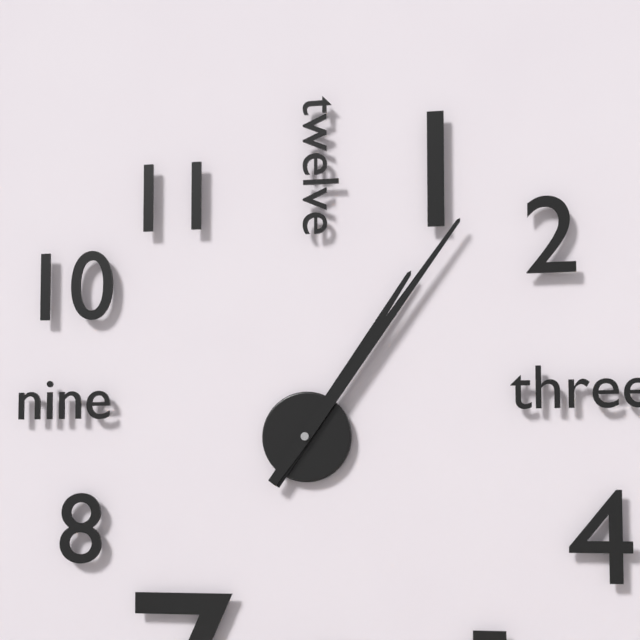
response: 1h06
